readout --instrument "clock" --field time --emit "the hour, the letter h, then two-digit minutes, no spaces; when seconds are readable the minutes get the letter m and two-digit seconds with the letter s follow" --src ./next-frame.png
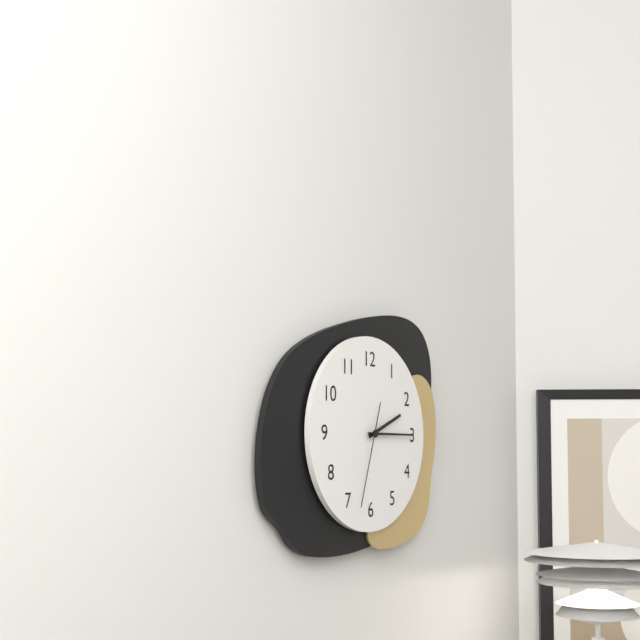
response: 2h15m33s
